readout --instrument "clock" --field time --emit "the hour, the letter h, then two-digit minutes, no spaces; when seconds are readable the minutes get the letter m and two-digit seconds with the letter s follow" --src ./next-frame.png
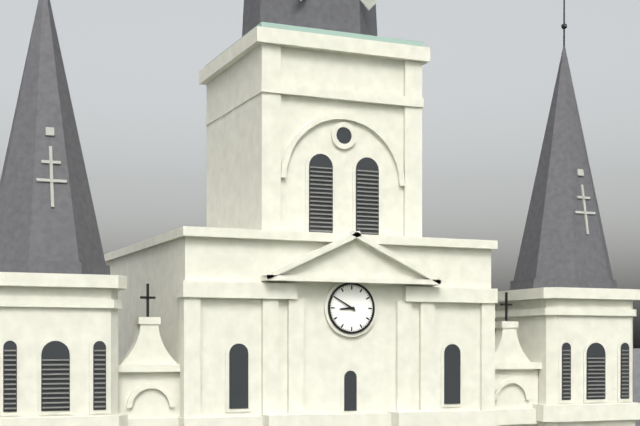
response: 8h50
